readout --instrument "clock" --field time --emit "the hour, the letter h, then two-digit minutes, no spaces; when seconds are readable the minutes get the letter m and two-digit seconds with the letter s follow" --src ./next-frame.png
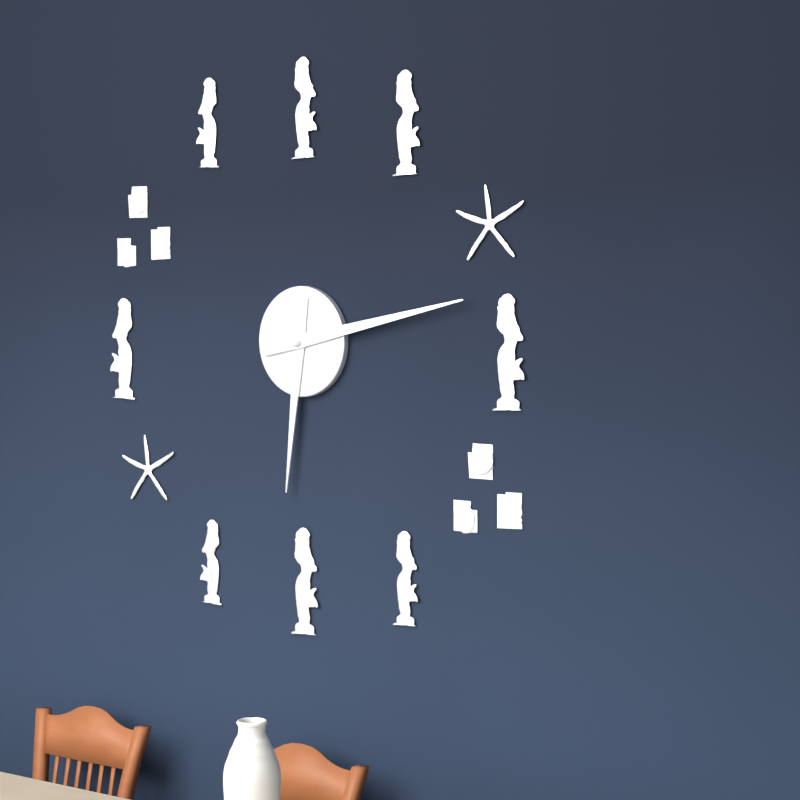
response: 6h13
